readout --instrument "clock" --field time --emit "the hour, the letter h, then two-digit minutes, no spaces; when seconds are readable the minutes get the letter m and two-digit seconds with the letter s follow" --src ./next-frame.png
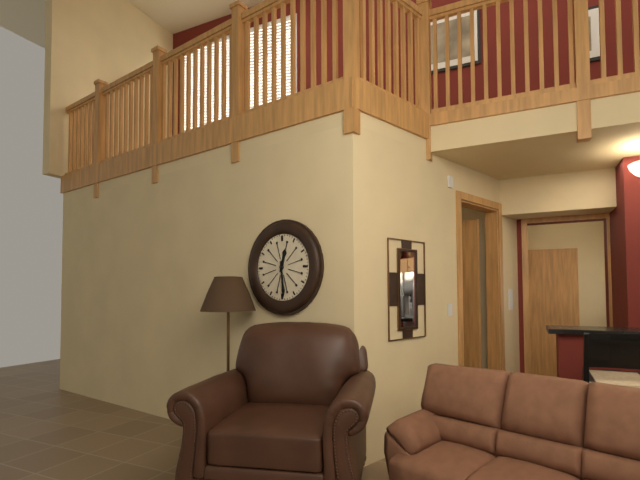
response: 12h29
